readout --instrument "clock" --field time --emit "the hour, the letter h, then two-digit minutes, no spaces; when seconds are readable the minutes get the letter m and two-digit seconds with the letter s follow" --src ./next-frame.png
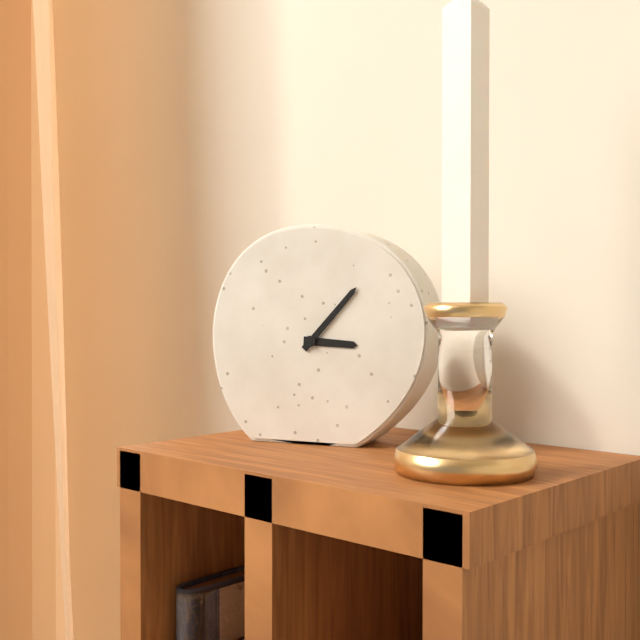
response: 3h07
